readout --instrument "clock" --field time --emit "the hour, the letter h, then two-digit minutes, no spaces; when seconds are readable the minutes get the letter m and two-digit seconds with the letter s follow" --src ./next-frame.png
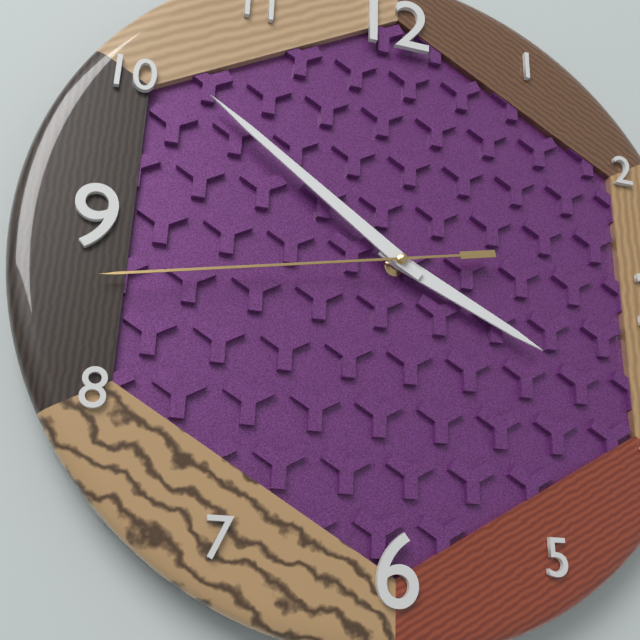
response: 3h51m43s
